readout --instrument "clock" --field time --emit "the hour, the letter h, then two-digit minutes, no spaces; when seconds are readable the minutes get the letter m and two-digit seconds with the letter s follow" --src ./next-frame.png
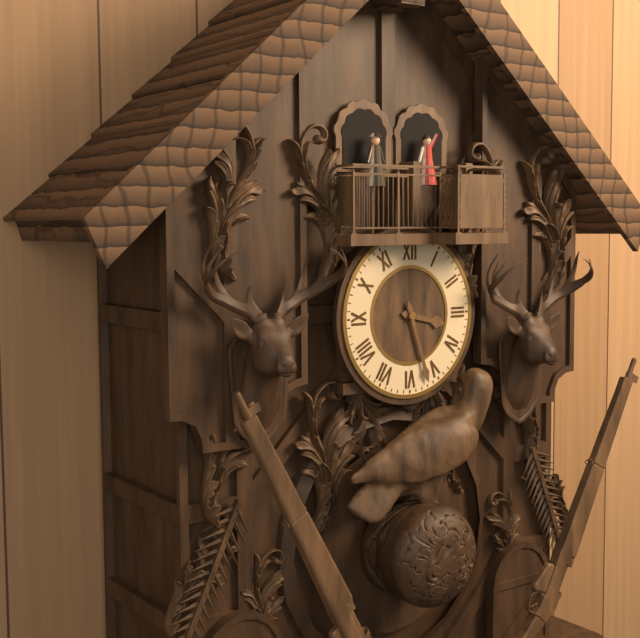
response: 3h27
